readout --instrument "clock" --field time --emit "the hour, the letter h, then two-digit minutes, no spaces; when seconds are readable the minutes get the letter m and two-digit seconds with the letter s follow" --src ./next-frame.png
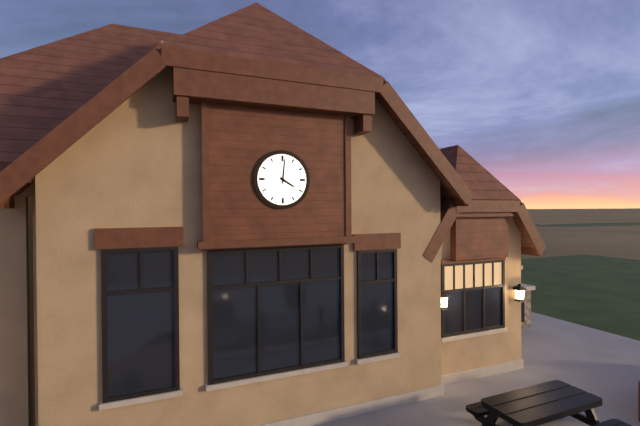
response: 4h01
